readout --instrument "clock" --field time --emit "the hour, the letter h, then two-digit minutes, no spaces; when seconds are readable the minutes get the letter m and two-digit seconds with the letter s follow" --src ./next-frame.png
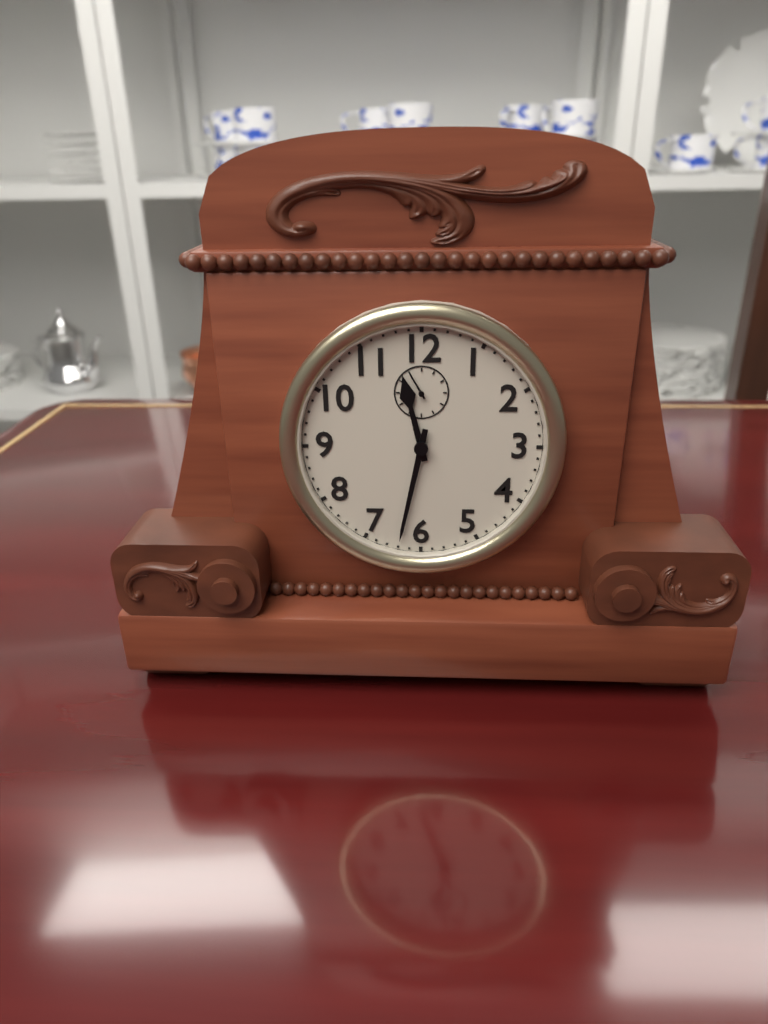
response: 11h32
